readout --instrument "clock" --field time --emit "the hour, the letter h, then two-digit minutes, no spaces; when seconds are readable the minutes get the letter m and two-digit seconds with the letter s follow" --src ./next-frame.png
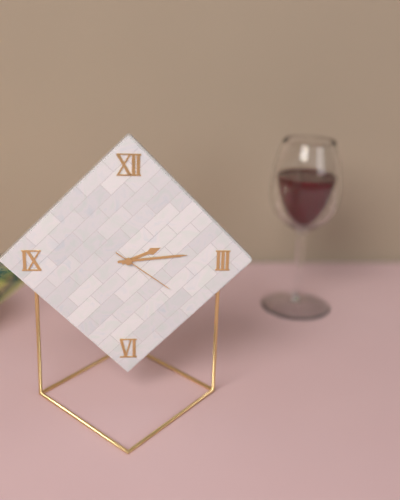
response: 2h14m21s
